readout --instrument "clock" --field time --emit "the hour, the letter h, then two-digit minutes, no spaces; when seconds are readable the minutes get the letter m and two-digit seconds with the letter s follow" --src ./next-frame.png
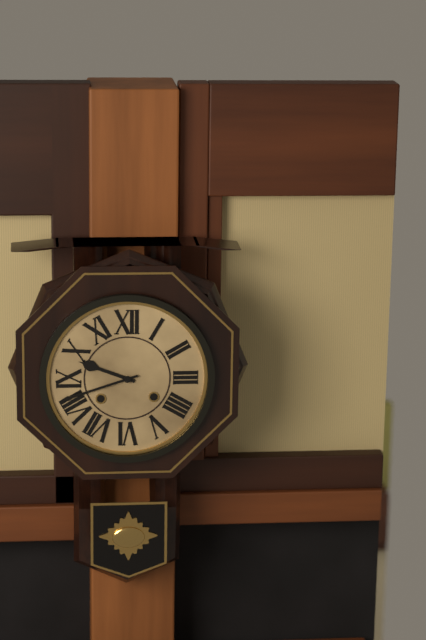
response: 9h42
